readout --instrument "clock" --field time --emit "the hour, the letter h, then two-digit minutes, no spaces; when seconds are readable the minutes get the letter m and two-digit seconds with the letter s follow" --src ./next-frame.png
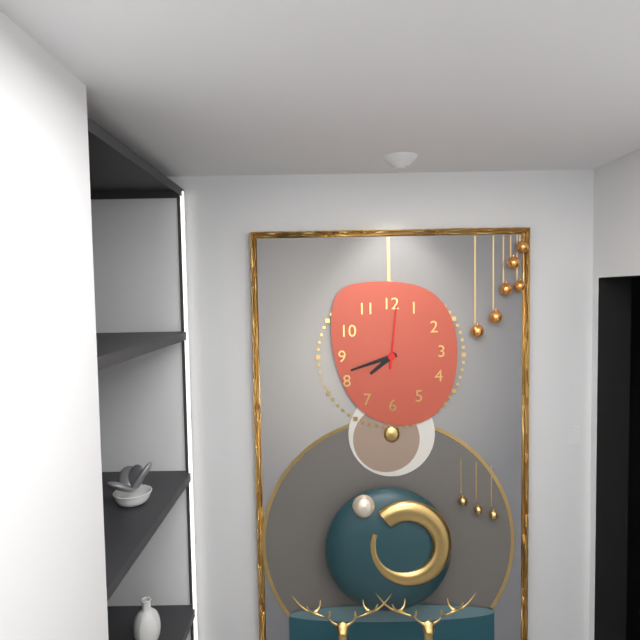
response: 7h42m01s
